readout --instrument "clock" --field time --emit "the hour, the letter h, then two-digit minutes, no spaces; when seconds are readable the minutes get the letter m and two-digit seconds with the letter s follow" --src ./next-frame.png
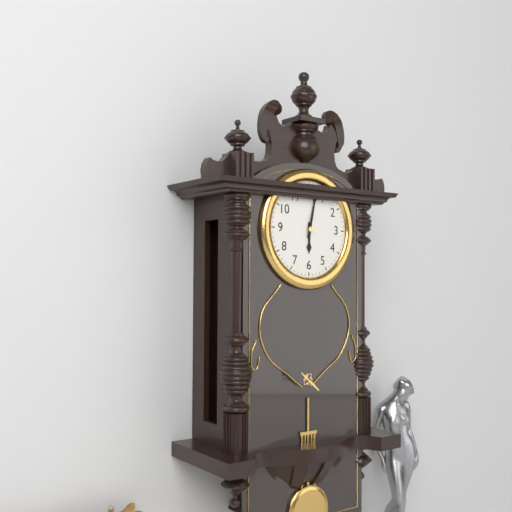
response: 6h02
